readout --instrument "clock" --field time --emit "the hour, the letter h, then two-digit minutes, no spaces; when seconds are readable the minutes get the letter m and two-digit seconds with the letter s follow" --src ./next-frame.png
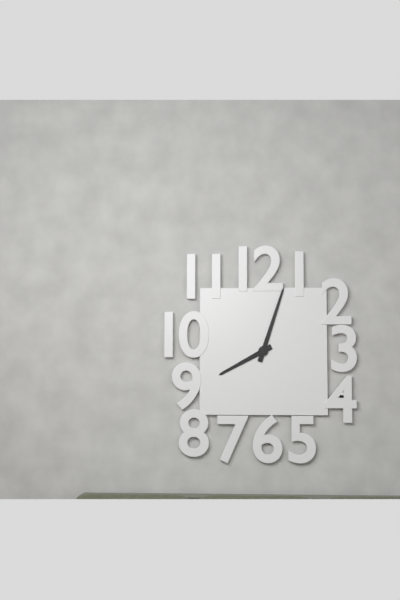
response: 8h03
